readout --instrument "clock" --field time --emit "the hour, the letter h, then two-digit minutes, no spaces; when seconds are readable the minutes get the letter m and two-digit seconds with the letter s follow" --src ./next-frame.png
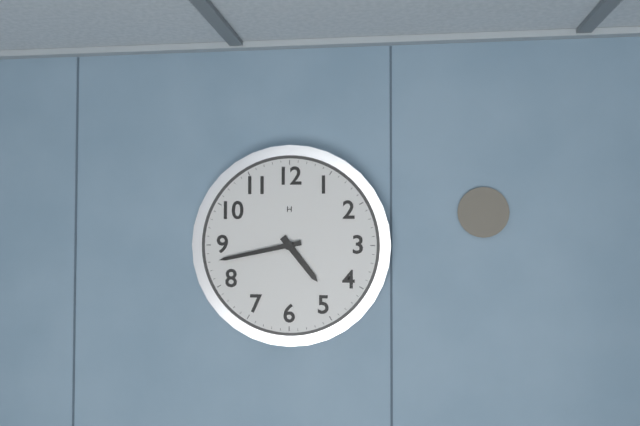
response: 4h43
